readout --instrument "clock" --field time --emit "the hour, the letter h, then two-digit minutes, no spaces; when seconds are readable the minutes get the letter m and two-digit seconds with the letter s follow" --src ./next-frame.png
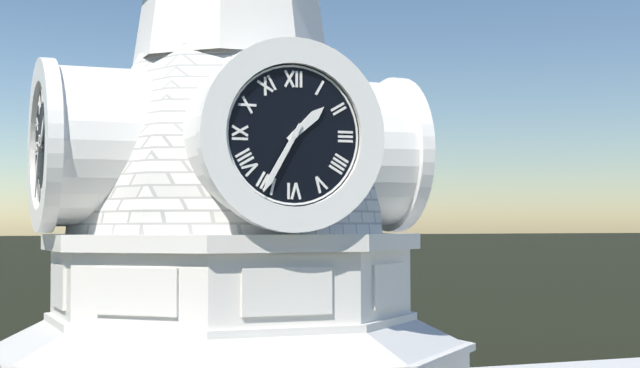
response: 1h35
